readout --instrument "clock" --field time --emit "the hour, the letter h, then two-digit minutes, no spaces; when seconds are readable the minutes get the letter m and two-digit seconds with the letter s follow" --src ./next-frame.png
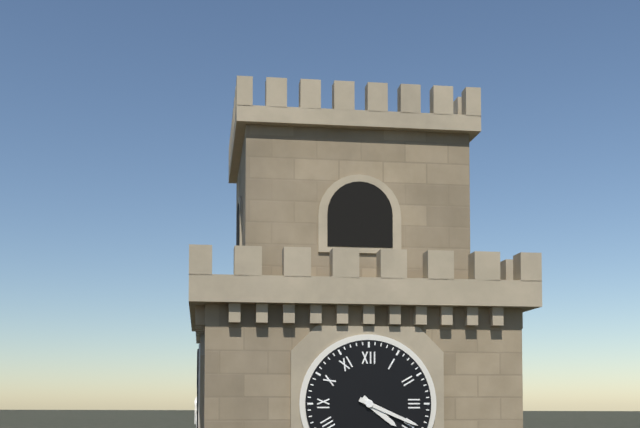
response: 4h19
